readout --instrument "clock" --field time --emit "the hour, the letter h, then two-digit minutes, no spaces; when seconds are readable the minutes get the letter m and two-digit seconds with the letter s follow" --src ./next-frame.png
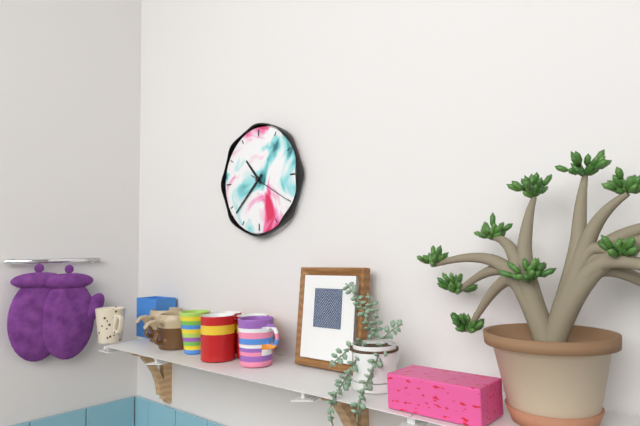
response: 10h38
